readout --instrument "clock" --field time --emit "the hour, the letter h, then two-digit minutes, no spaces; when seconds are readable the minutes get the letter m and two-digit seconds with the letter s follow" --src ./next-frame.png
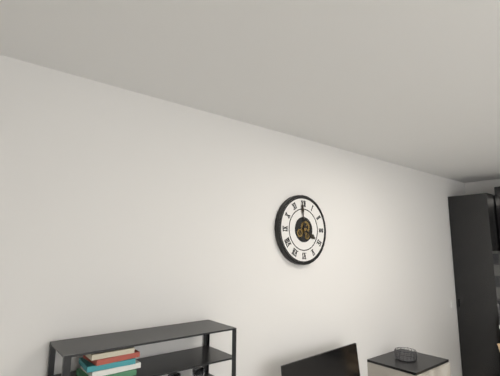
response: 3h59
